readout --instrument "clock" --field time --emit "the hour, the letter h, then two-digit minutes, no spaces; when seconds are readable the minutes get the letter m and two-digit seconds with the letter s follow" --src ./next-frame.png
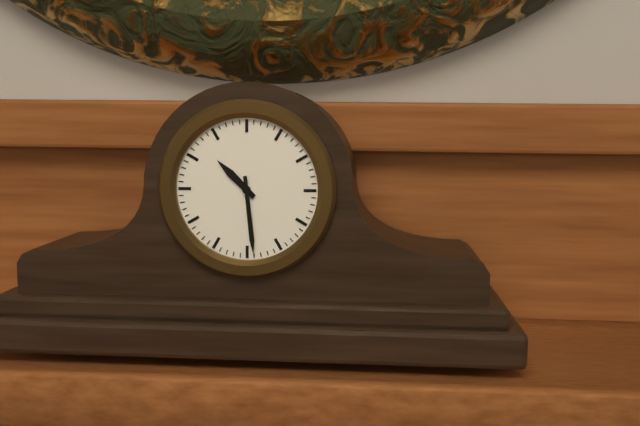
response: 10h29
